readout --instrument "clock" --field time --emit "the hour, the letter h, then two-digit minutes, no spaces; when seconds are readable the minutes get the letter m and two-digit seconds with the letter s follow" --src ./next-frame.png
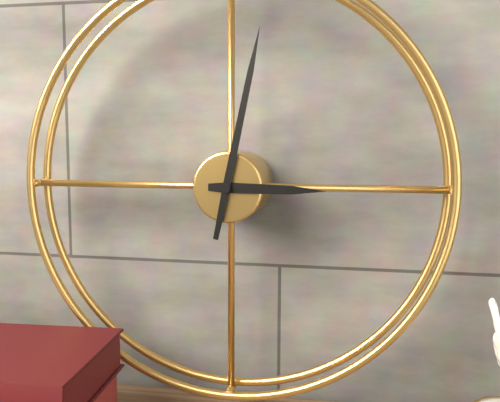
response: 3h02
